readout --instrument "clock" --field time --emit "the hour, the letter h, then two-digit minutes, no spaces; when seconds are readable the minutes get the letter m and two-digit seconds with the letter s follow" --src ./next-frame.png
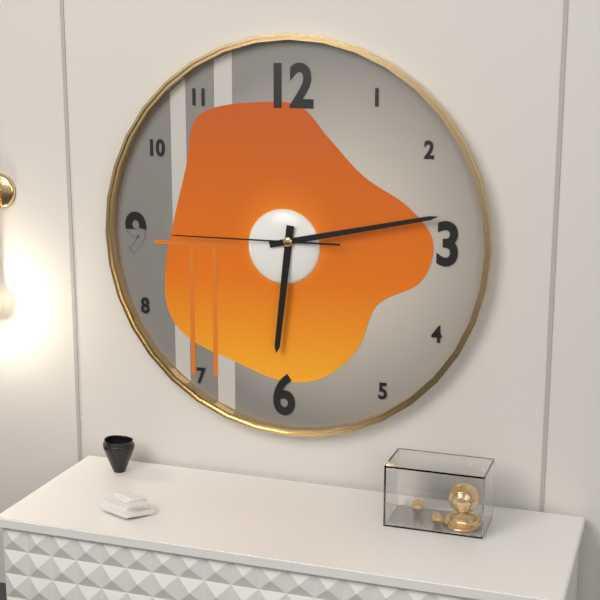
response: 6h13m45s
